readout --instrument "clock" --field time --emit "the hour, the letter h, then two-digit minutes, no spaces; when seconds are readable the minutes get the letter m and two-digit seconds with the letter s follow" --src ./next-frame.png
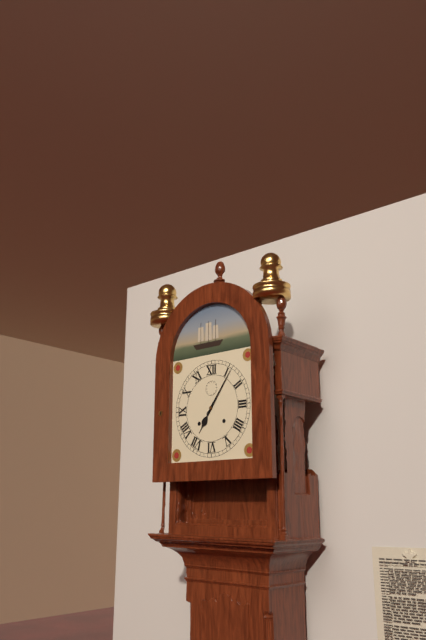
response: 7h06
